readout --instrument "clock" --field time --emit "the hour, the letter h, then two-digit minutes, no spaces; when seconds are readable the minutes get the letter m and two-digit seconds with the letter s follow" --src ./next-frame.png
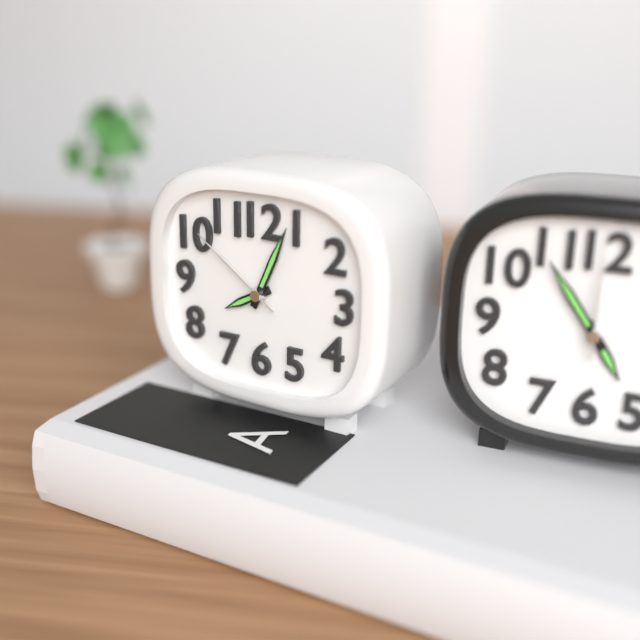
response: 8h04m51s
